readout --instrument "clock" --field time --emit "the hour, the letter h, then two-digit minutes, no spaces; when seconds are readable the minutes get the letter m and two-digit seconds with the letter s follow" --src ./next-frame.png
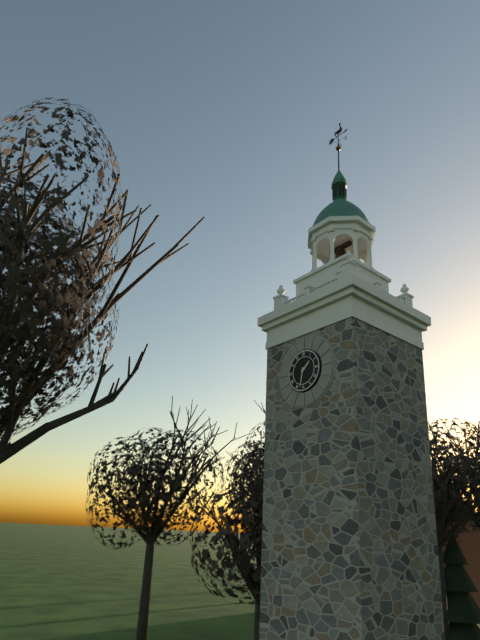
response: 1h32
